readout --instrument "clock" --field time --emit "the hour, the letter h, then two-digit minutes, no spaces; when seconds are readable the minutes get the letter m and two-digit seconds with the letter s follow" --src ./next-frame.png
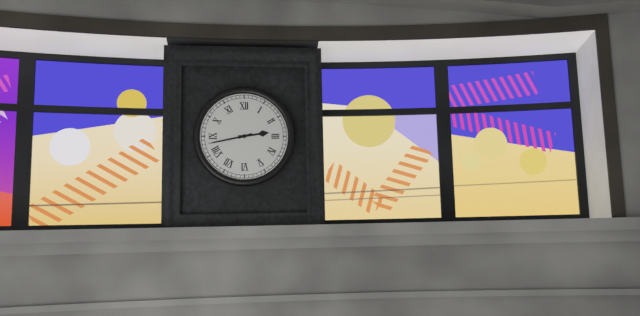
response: 2h43
